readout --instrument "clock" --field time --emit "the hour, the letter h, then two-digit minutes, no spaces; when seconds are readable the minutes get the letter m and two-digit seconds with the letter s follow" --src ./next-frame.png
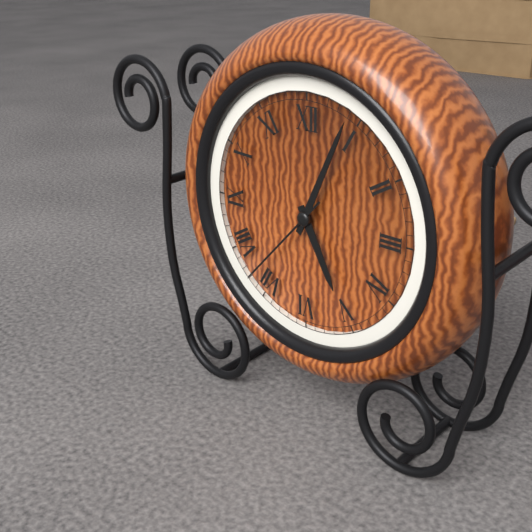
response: 5h04m37s
